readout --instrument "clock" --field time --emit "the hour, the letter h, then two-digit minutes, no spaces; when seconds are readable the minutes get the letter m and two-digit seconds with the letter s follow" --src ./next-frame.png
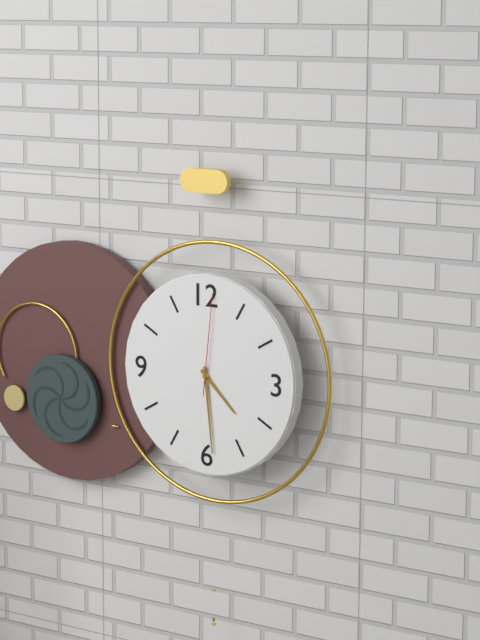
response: 4h29m01s
